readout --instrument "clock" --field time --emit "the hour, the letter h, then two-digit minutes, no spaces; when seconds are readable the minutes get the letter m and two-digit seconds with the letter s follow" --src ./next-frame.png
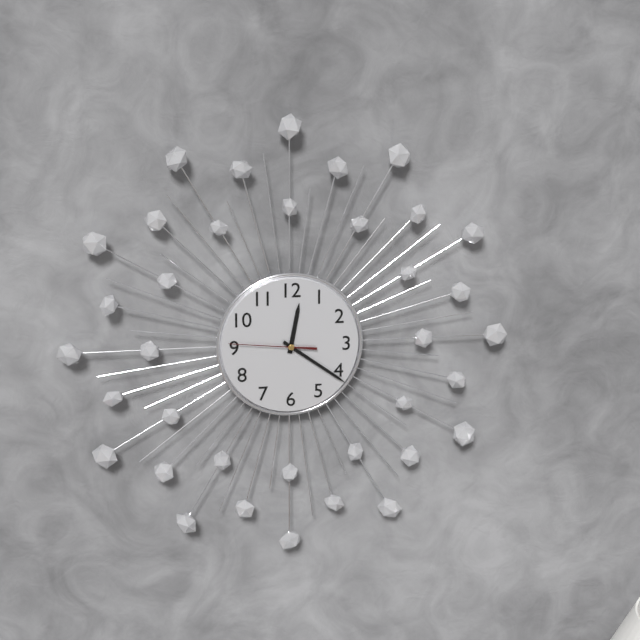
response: 12h21m46s
